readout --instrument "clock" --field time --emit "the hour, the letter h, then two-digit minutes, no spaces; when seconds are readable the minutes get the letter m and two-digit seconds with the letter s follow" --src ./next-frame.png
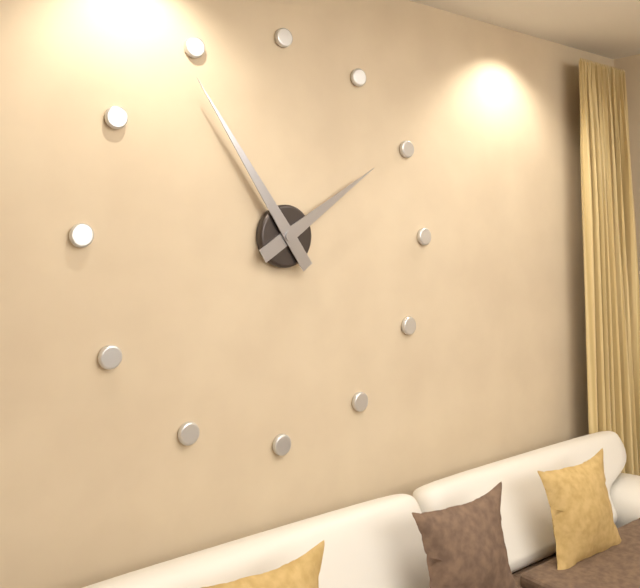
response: 1h54
